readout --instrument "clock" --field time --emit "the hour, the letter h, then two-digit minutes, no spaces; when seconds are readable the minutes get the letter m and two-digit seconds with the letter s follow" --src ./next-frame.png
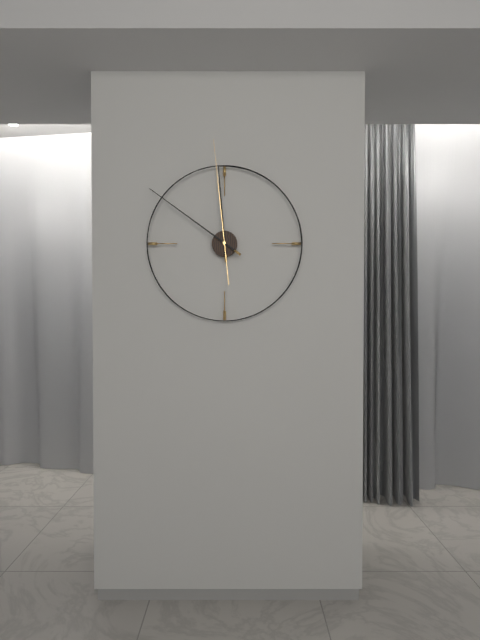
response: 11h51m59s
